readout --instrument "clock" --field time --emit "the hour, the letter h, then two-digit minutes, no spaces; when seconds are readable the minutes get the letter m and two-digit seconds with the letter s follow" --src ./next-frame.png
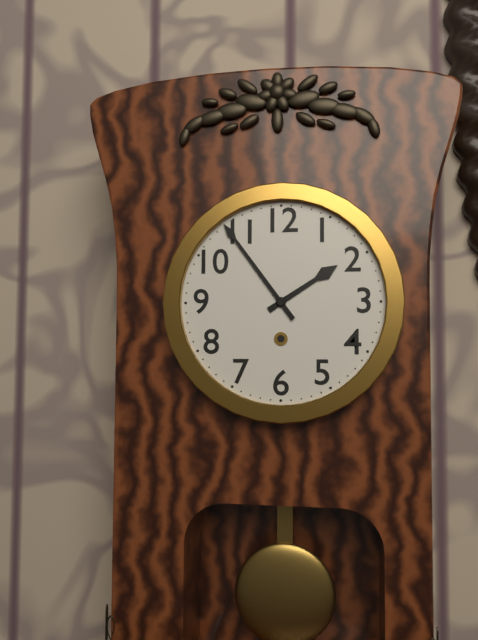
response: 1h54
